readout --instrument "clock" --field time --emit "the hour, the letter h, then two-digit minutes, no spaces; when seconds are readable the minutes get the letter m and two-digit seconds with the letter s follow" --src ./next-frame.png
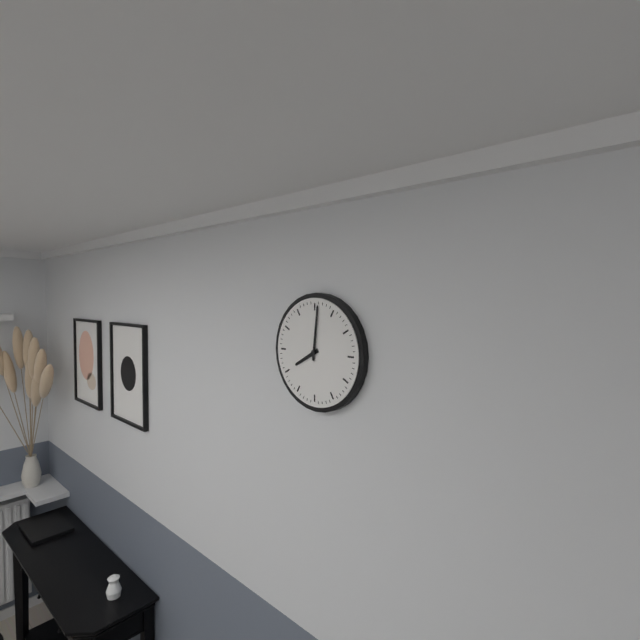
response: 8h01
